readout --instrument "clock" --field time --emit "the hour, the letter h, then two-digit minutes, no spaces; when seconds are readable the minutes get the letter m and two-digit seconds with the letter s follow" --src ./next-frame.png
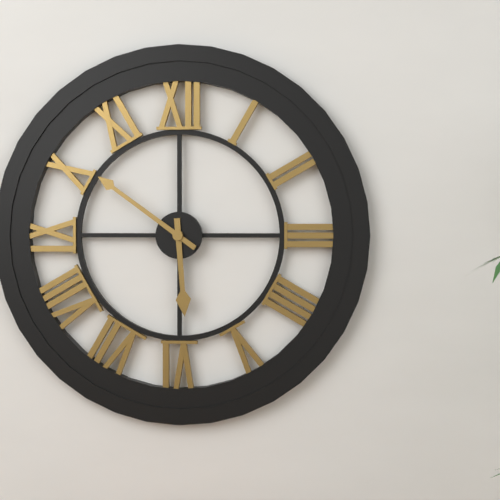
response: 5h51
